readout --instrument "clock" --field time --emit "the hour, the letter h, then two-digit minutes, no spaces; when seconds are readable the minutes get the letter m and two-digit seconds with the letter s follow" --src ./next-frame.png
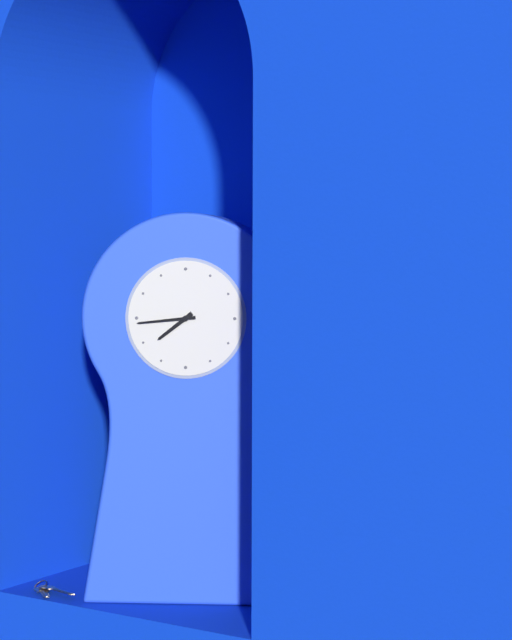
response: 7h44
